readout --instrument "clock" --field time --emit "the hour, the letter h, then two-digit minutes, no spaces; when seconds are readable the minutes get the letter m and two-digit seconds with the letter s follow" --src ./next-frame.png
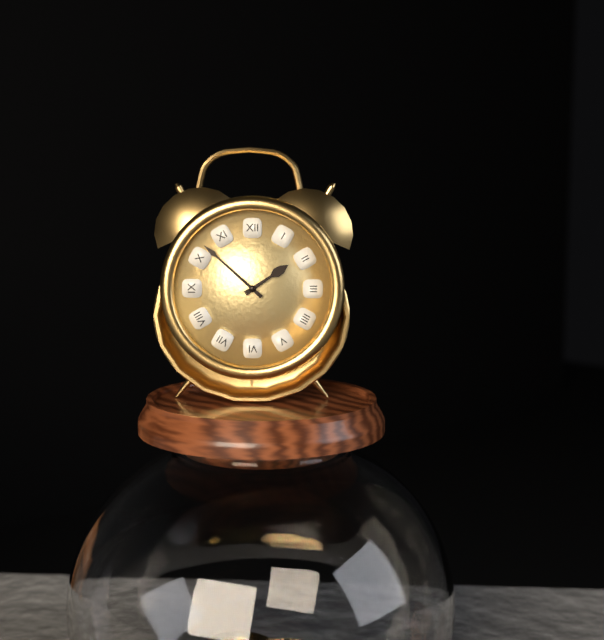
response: 1h52
